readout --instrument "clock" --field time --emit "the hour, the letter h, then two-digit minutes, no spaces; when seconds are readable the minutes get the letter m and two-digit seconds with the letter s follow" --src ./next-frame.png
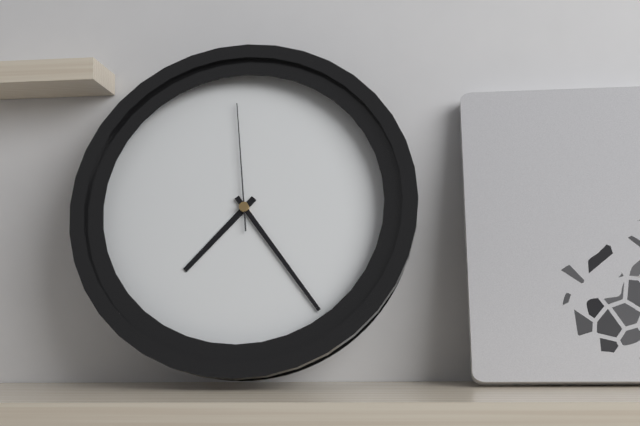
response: 7h24m59s
